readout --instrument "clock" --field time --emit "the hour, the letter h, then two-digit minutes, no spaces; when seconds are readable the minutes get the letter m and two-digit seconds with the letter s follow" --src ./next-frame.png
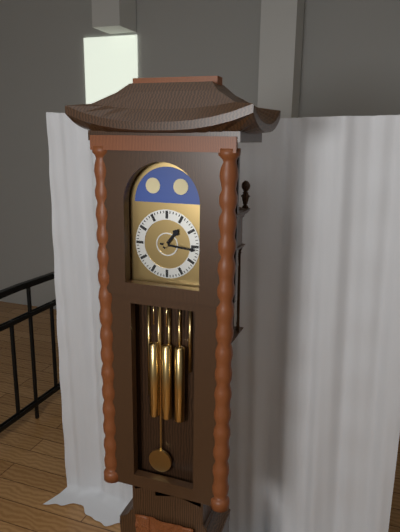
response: 1h16
